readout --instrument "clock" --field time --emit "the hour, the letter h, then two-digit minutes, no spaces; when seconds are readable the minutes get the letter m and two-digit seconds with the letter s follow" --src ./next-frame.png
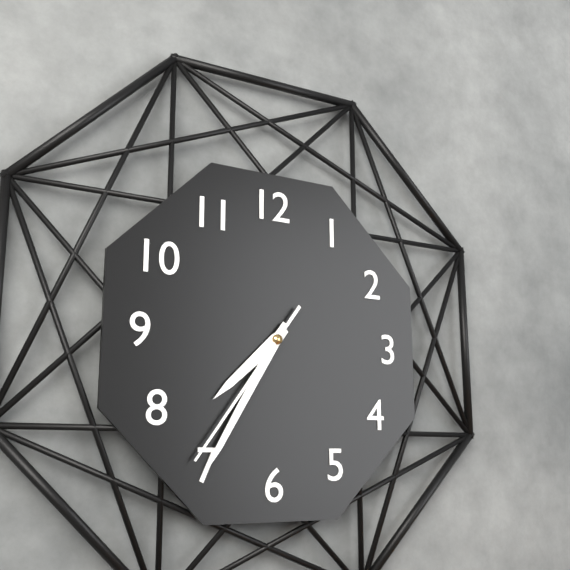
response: 7h35m36s
